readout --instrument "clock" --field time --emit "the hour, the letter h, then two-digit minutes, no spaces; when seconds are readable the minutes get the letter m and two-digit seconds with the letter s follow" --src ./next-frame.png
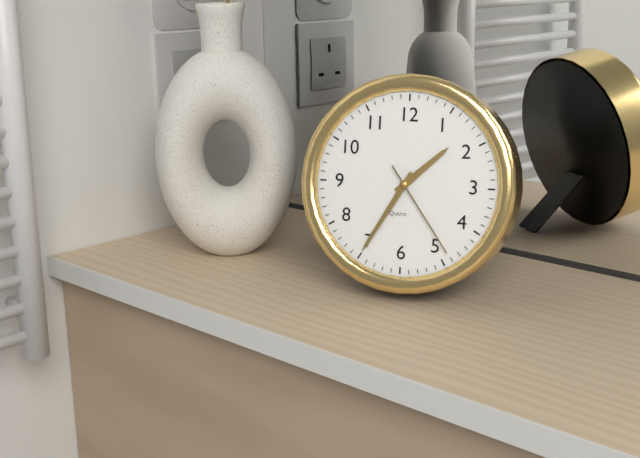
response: 1h35m24s
